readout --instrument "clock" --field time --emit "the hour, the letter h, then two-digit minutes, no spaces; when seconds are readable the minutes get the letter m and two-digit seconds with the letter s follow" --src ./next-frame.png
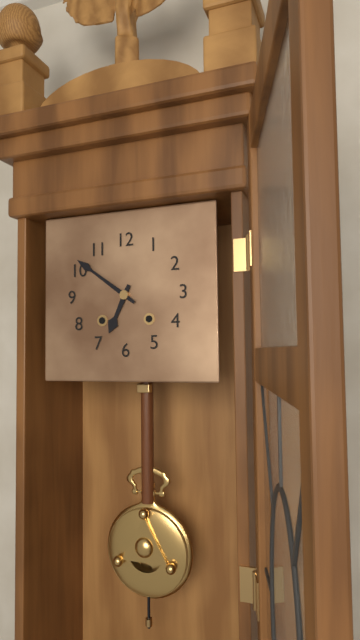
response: 6h51
